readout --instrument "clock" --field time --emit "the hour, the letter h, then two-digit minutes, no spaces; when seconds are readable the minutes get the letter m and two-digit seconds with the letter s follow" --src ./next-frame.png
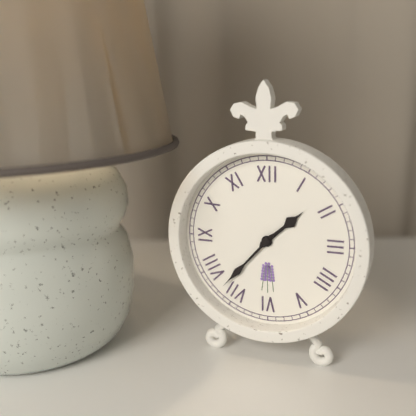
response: 1h37
